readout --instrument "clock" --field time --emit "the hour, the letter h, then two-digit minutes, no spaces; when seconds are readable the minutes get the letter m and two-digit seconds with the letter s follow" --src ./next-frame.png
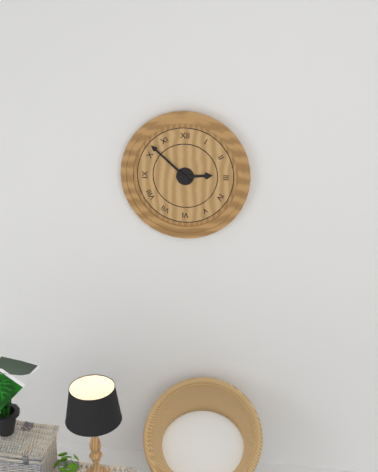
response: 2h52
